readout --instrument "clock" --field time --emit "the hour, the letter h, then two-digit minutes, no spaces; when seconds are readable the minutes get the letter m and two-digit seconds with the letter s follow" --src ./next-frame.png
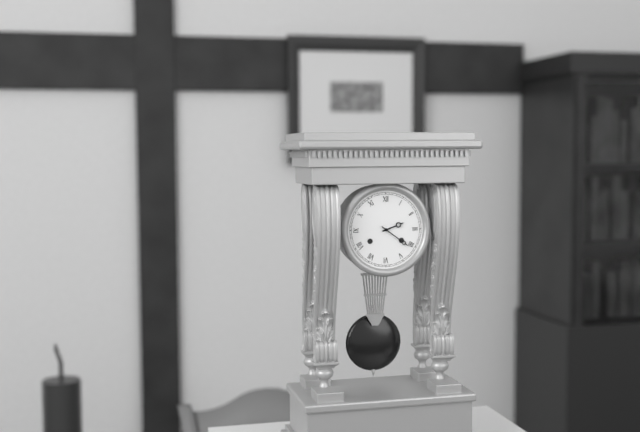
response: 2h21
